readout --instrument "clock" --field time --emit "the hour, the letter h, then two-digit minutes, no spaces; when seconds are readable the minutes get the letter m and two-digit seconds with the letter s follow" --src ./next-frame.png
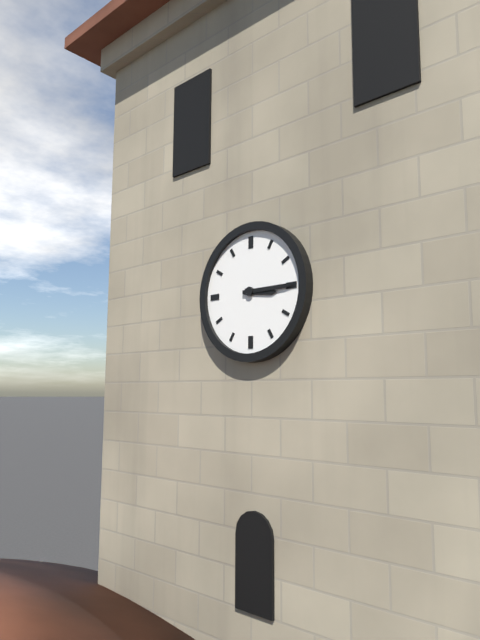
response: 3h15
